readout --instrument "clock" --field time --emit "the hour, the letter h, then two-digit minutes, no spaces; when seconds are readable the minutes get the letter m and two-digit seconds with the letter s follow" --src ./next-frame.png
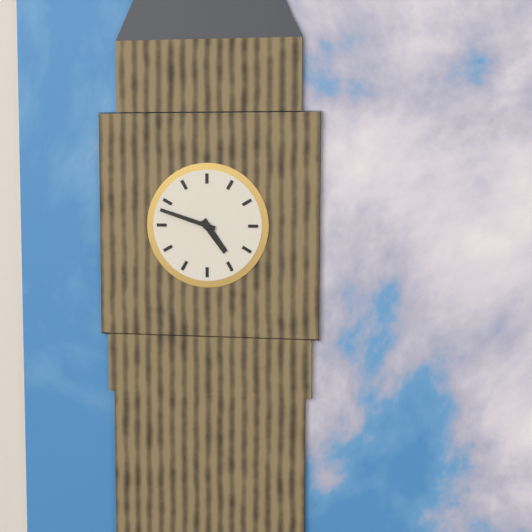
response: 4h48
